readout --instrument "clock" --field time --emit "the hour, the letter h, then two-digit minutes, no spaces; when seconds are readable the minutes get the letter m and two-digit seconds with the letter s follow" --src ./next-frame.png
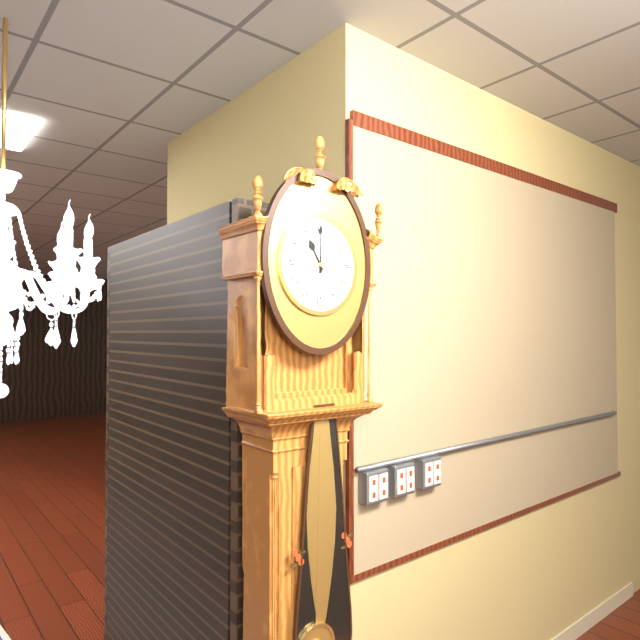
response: 11h00
